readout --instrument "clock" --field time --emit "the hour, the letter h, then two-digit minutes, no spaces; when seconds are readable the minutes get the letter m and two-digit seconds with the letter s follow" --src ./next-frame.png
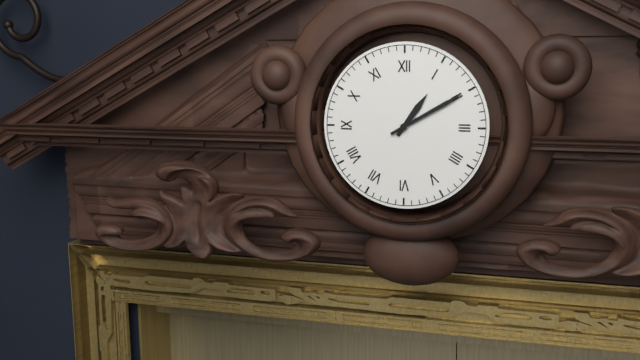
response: 1h10
